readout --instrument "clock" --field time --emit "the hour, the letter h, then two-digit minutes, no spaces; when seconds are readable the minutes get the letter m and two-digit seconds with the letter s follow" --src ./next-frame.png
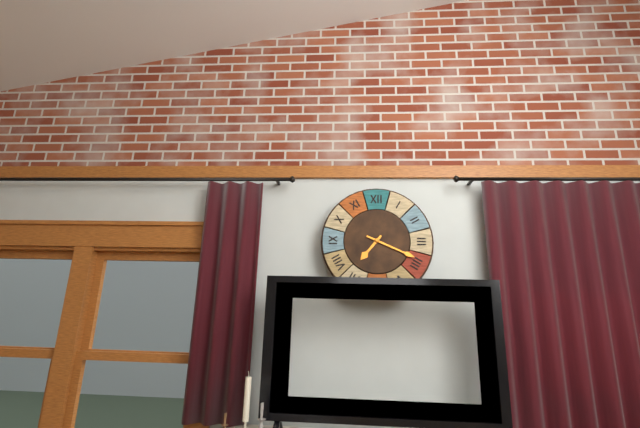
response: 7h19
